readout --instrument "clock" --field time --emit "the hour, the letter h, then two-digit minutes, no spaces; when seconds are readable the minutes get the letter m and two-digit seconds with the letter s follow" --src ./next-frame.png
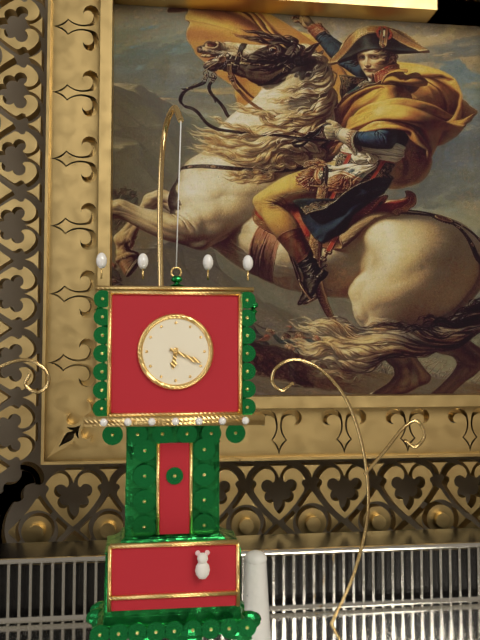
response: 6h19
